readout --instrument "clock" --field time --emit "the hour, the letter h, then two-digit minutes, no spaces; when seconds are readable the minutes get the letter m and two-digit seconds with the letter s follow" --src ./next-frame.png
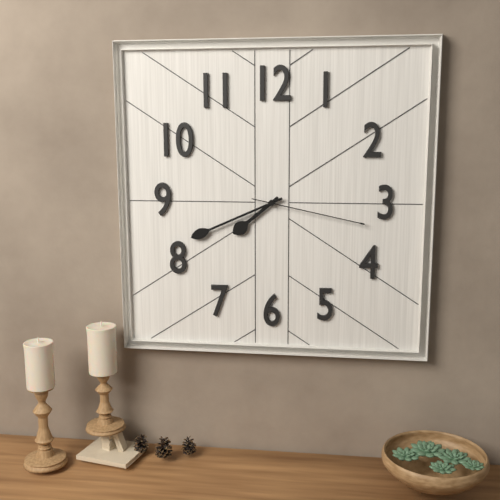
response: 7h41m17s
